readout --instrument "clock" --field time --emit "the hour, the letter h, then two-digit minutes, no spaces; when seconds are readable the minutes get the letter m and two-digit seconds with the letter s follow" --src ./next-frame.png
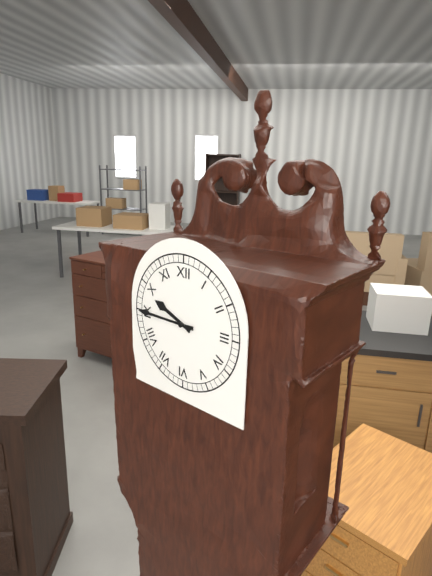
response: 9h45
